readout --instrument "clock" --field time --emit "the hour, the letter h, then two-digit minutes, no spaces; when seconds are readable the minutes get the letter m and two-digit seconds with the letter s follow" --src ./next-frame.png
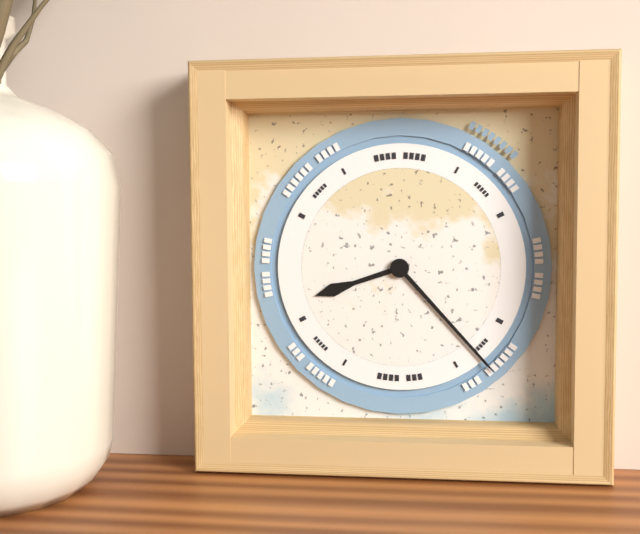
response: 8h23
